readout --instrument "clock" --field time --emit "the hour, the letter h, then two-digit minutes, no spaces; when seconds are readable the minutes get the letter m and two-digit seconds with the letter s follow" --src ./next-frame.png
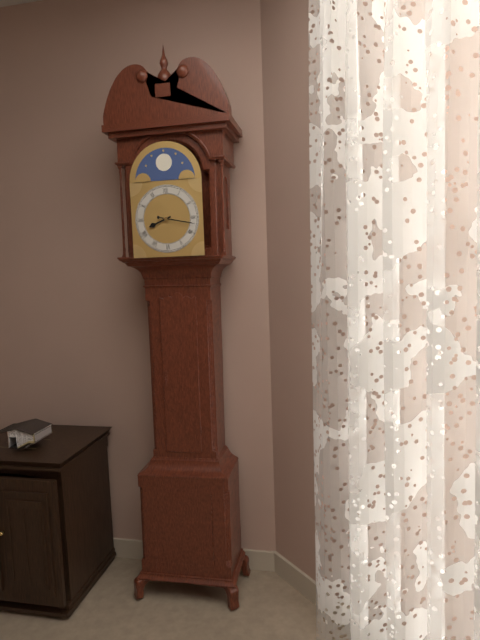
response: 8h17
